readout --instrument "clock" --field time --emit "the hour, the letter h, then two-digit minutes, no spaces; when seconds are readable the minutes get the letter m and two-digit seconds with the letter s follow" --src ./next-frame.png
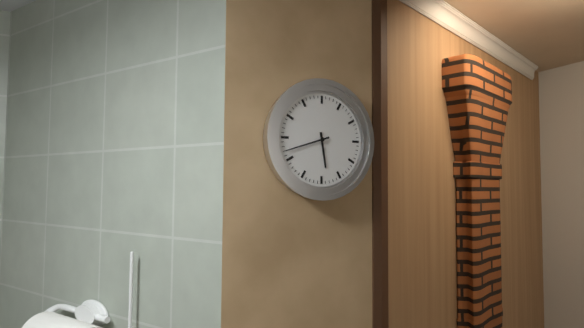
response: 5h42
